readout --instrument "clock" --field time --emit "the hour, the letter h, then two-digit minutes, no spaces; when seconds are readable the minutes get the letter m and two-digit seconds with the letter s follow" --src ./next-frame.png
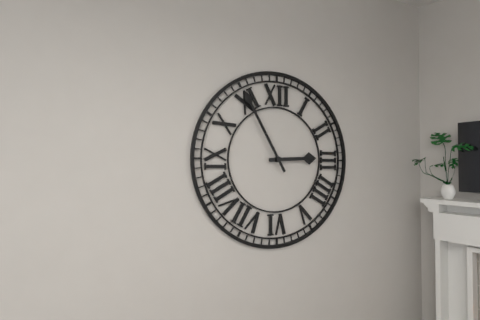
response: 2h55
